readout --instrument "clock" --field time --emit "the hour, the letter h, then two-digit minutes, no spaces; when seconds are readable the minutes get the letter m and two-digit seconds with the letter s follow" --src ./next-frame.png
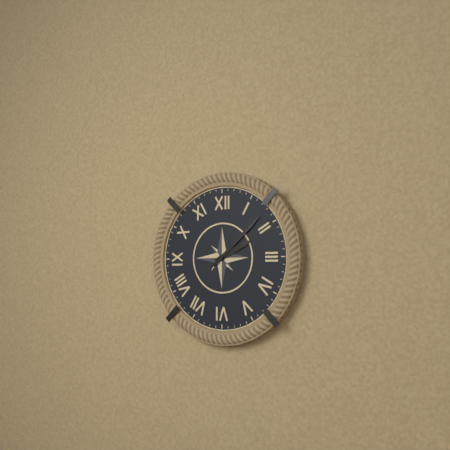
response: 2h08
